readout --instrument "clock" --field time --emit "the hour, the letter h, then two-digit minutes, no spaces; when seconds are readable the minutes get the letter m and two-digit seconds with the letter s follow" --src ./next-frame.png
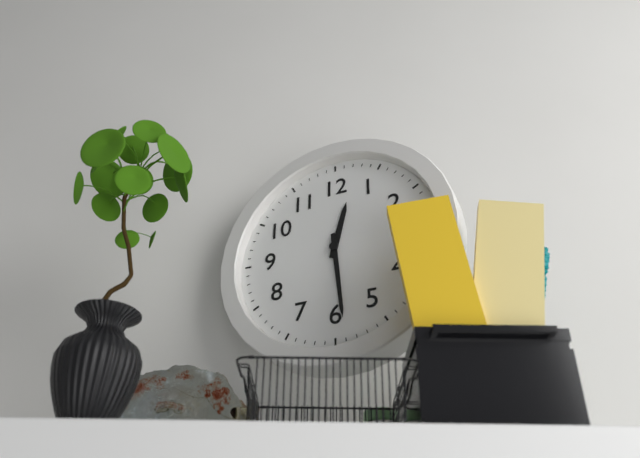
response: 12h29
